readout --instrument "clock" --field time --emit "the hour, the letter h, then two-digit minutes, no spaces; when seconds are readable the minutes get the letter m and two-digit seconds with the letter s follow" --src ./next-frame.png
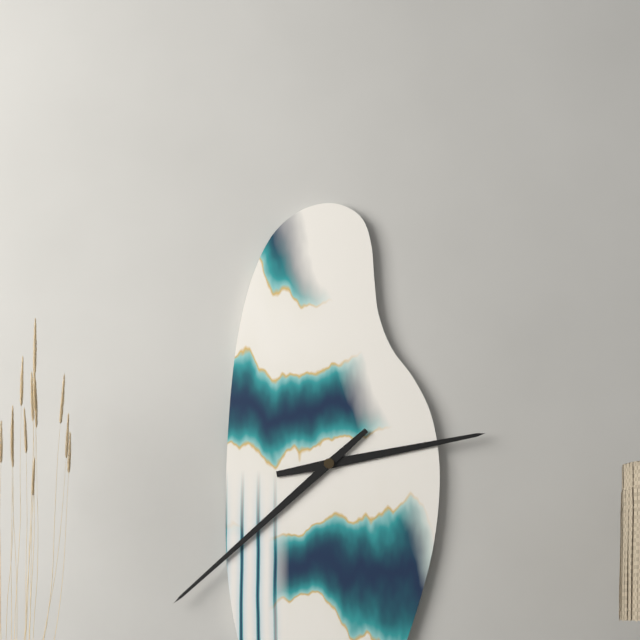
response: 2h38
